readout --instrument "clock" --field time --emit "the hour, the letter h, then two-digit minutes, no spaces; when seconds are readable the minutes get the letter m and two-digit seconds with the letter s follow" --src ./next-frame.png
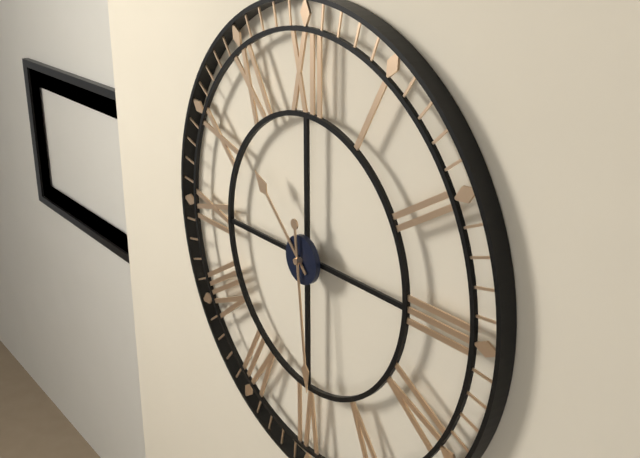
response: 10h29
